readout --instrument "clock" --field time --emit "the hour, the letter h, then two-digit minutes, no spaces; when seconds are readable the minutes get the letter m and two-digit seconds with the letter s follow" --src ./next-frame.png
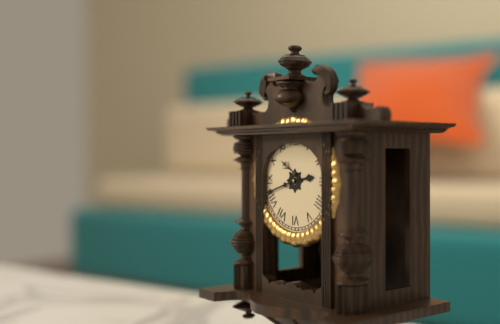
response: 2h42
